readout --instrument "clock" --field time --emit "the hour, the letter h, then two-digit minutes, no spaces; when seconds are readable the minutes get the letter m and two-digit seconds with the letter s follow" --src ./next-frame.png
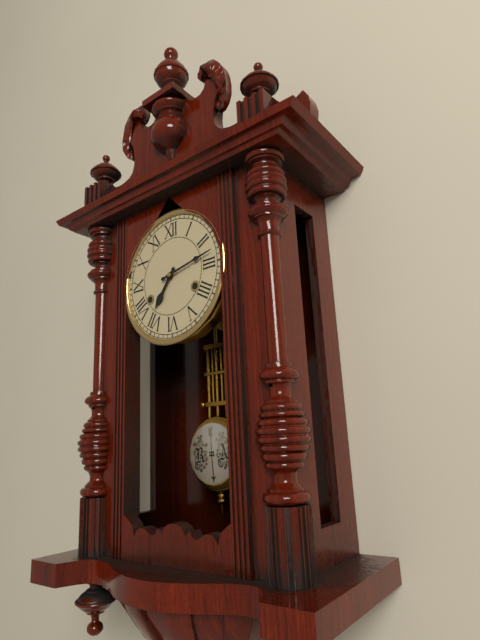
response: 7h13
